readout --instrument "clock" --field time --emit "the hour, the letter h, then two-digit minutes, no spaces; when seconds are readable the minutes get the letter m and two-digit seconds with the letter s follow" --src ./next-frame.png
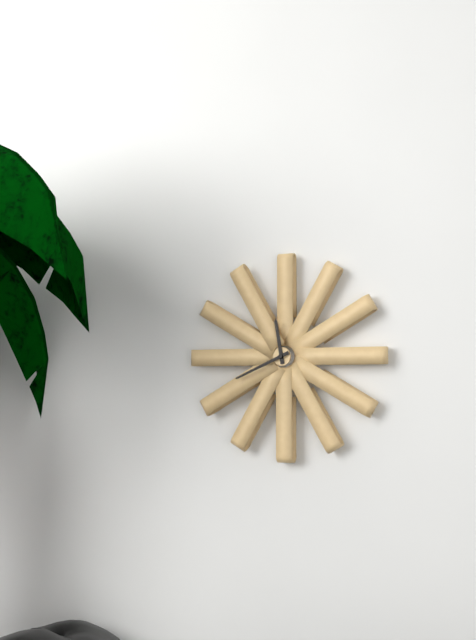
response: 11h41
